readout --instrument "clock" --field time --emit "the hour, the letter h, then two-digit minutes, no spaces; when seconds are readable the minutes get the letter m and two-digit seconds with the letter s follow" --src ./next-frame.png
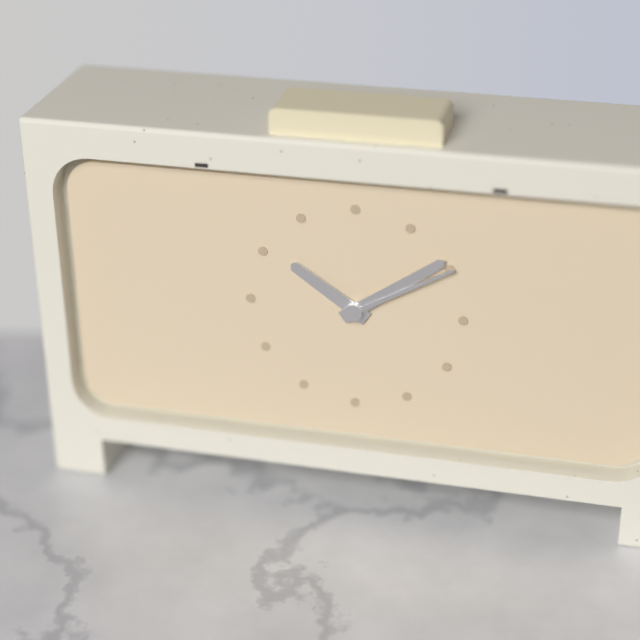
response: 10h09m10s
